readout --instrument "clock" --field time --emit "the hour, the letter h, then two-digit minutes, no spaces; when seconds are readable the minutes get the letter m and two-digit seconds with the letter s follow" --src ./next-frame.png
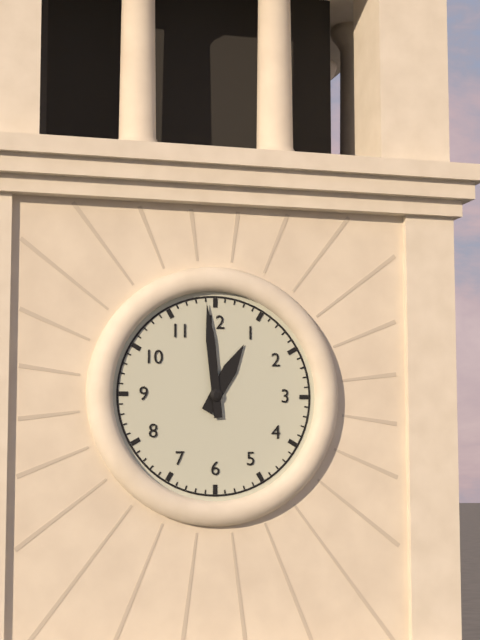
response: 12h59
